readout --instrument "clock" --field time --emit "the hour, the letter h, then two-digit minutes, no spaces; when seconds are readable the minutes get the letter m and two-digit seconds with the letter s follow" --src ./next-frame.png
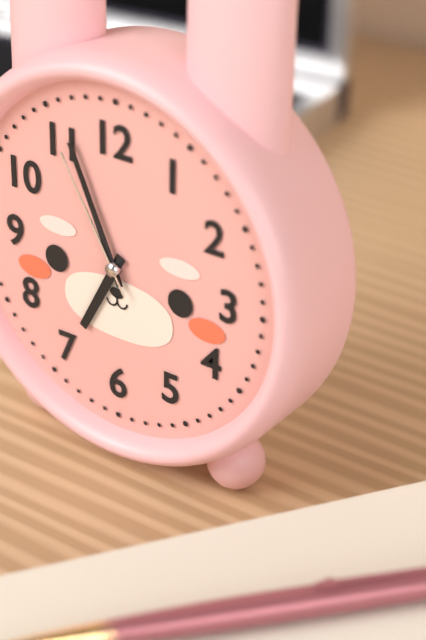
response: 6h56m55s
